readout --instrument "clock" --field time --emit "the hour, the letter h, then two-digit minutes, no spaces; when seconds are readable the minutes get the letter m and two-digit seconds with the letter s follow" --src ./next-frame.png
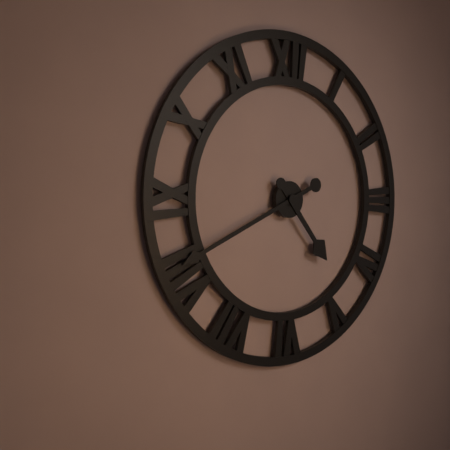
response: 4h41
